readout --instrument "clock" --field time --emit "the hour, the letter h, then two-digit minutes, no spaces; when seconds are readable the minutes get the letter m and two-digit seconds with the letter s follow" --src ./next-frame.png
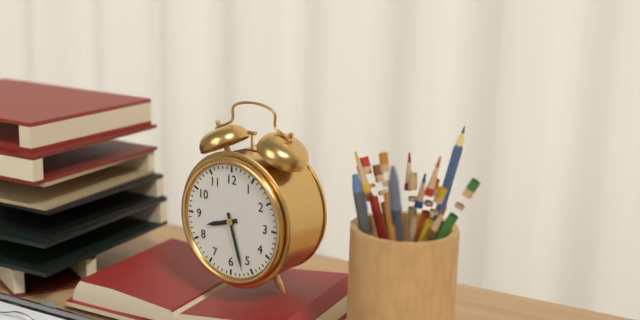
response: 8h27
